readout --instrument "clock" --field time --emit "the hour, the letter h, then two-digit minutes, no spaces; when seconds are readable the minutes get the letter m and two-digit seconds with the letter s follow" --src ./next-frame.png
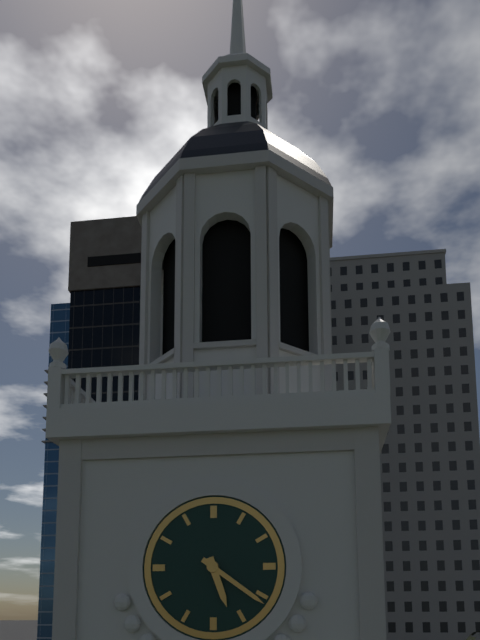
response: 5h21
